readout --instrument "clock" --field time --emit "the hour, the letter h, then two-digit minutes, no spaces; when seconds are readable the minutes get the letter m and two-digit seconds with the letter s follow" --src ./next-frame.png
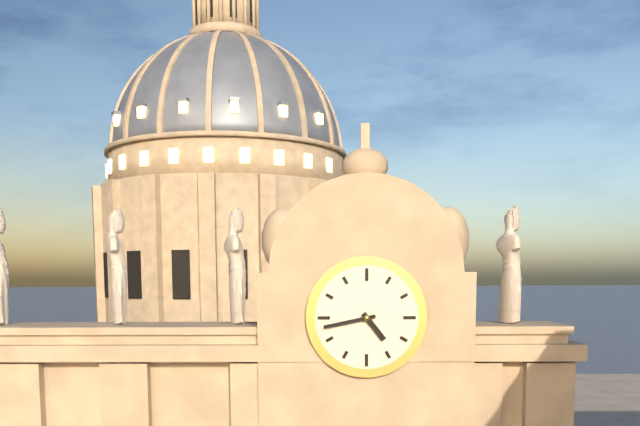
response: 4h43
